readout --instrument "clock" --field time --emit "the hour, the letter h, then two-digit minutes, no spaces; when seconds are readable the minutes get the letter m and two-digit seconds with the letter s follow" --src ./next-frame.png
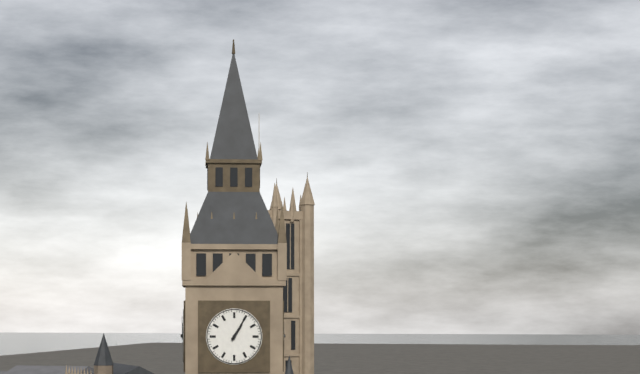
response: 1h05
